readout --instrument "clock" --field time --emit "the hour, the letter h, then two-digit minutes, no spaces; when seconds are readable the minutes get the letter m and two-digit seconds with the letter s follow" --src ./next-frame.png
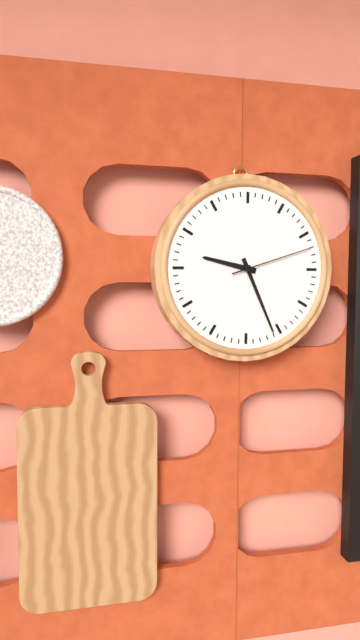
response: 9h26m12s
